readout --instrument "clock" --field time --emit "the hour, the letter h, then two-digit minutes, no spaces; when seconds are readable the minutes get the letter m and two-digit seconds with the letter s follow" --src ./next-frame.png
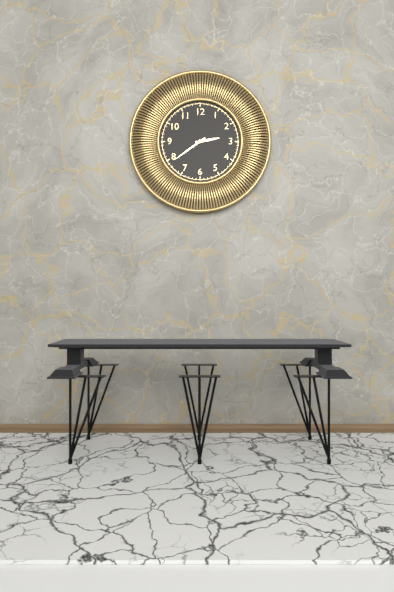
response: 2h39
